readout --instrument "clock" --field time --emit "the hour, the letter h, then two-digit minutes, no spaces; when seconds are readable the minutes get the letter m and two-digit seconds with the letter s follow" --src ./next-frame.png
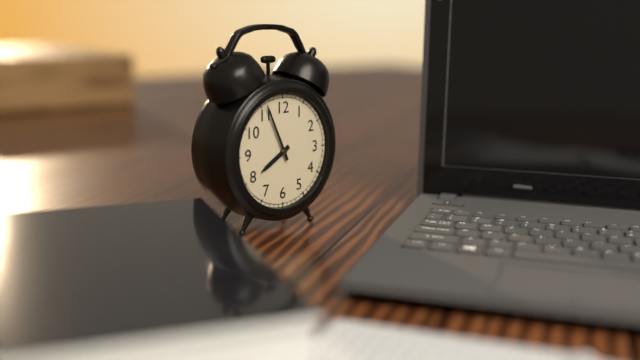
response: 7h56
